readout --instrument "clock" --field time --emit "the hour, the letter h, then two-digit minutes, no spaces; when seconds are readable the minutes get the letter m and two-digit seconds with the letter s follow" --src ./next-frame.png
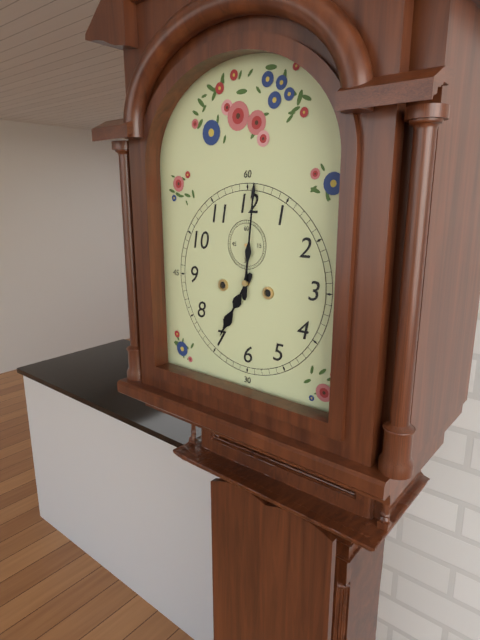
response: 7h01
